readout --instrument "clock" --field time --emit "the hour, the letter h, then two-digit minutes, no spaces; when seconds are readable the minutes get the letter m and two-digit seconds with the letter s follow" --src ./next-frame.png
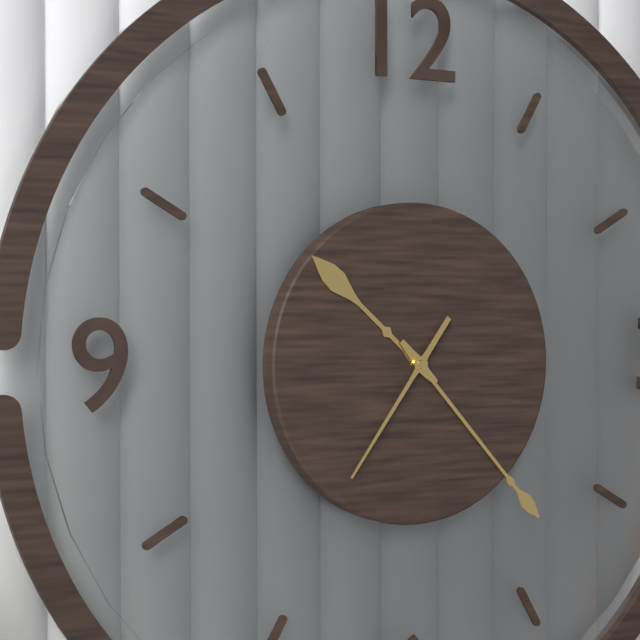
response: 10h23m36s
